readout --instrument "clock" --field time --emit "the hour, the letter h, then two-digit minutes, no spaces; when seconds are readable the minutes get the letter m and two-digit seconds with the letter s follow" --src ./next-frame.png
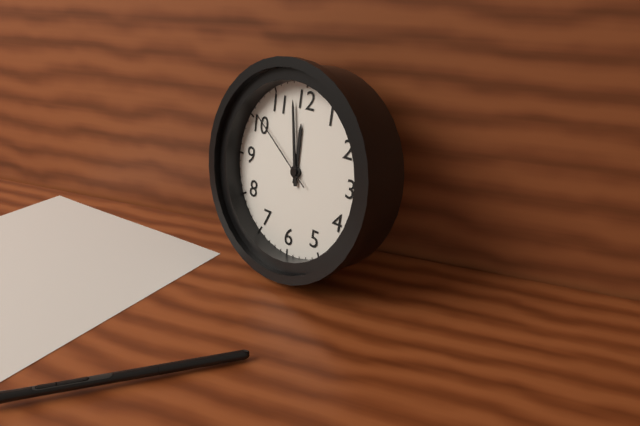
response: 11h58m51s
